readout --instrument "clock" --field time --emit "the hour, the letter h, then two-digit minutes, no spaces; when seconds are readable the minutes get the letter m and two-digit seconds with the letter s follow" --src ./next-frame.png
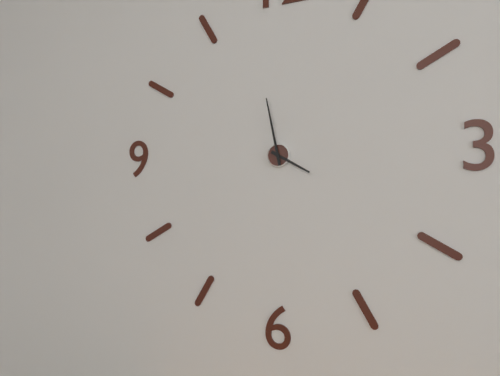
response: 3h58
